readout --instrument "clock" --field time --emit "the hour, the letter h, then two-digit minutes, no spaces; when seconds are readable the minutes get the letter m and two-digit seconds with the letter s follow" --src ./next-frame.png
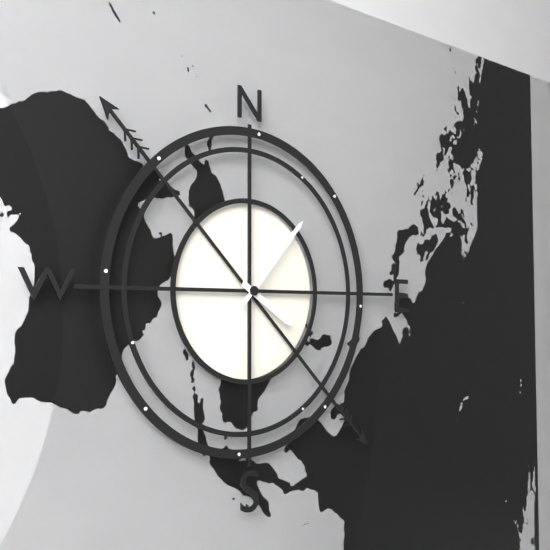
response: 4h07
